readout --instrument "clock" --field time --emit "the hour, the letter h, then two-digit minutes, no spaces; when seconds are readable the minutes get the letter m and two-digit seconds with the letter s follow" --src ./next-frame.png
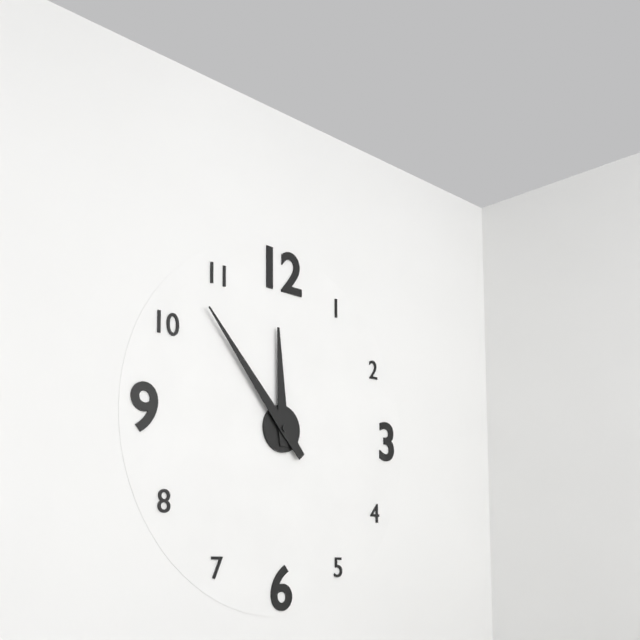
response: 11h53
